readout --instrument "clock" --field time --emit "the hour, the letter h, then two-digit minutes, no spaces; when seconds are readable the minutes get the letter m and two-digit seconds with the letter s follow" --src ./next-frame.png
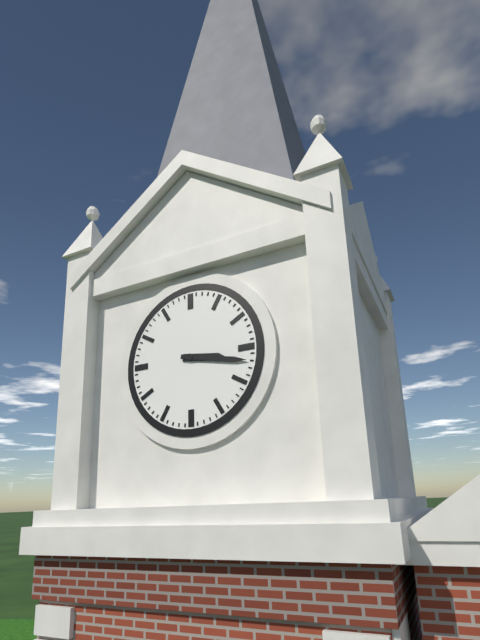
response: 3h17
